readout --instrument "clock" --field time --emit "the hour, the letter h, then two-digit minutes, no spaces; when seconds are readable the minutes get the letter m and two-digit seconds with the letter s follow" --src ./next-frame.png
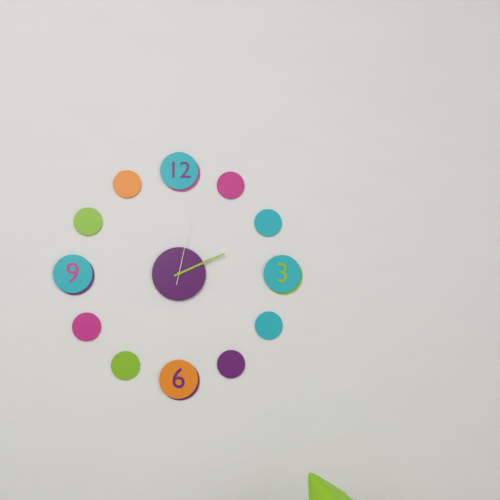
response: 2h11m02s
